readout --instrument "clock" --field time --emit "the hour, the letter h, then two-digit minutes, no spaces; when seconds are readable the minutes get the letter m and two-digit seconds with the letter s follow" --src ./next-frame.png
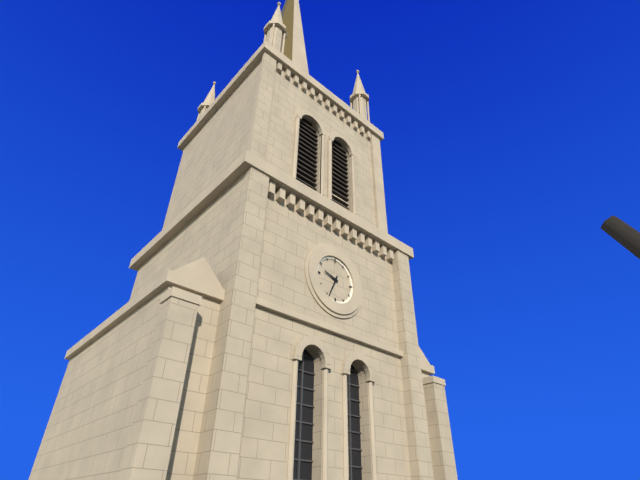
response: 9h34
